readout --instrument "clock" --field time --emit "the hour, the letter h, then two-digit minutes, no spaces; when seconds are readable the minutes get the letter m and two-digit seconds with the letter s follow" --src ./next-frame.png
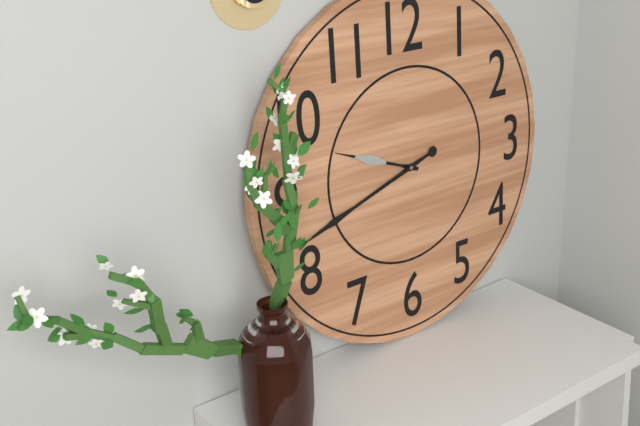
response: 9h42
